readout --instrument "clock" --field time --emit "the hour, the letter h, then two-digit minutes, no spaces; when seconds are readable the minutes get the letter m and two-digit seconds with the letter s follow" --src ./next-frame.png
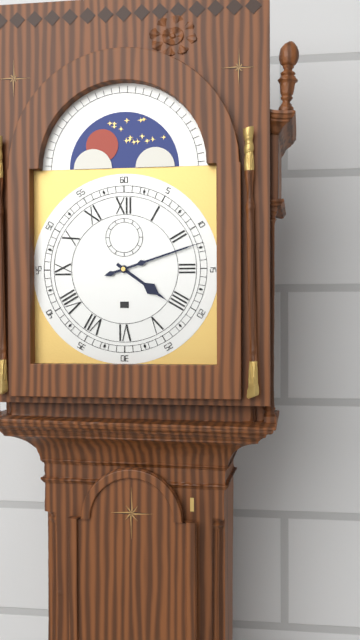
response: 4h12
